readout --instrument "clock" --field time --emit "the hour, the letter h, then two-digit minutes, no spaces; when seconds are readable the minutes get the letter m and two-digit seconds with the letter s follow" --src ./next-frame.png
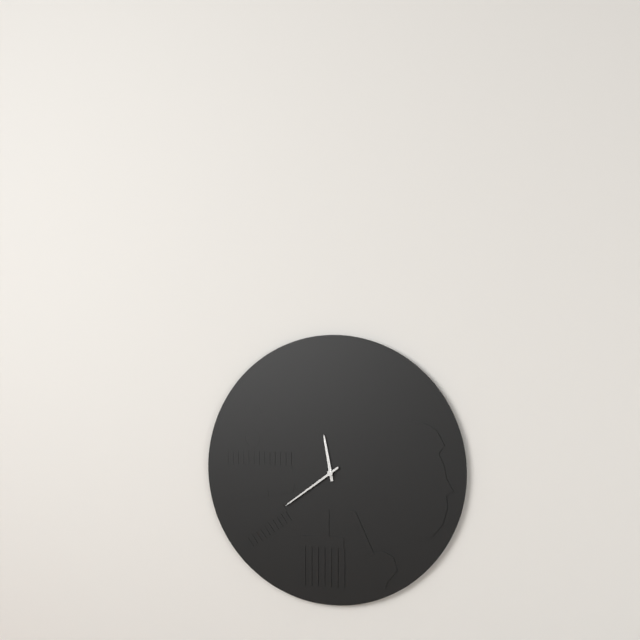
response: 11h39
